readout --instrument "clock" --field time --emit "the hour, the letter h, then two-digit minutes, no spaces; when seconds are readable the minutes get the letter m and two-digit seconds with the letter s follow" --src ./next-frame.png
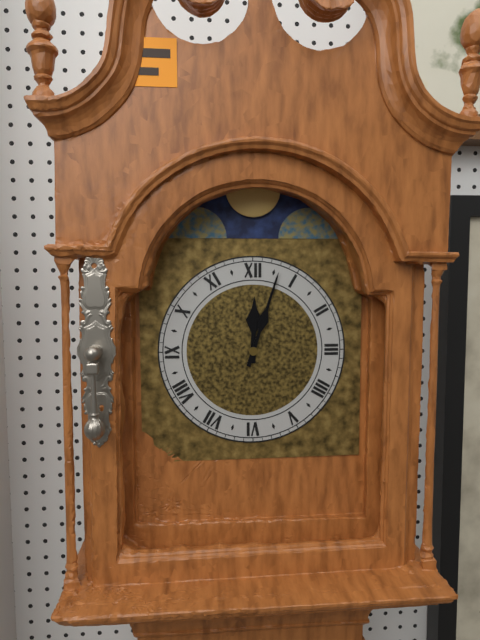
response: 12h03
